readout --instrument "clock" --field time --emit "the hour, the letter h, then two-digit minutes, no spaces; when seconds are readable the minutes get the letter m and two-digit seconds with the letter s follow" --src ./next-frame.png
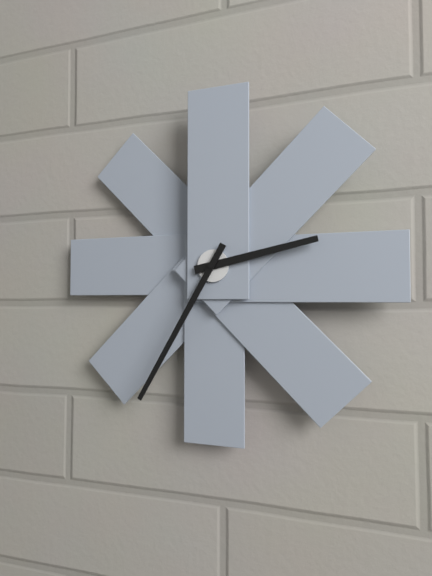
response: 2h35
